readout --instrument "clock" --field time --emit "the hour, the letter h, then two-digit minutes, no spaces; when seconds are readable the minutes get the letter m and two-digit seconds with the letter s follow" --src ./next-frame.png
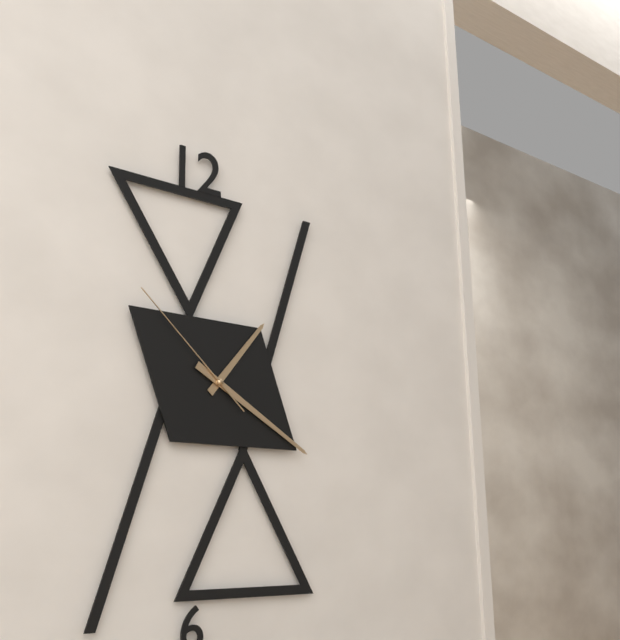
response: 1h20m52s
